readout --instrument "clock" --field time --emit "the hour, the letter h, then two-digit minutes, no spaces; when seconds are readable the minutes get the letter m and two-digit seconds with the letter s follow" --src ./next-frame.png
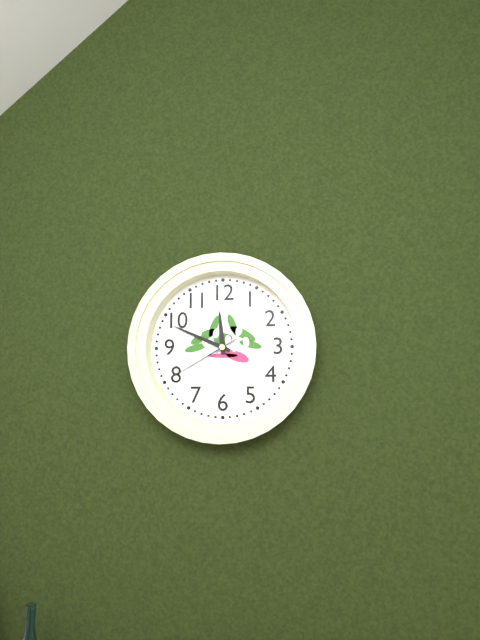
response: 11h49m40s
